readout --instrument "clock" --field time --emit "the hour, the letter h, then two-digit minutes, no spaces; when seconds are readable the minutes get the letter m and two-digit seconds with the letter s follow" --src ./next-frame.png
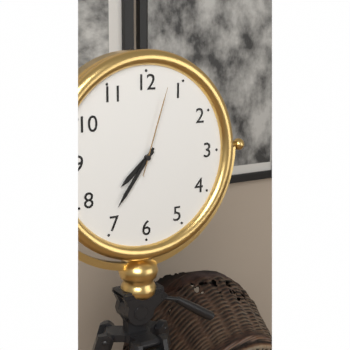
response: 7h36m03s
